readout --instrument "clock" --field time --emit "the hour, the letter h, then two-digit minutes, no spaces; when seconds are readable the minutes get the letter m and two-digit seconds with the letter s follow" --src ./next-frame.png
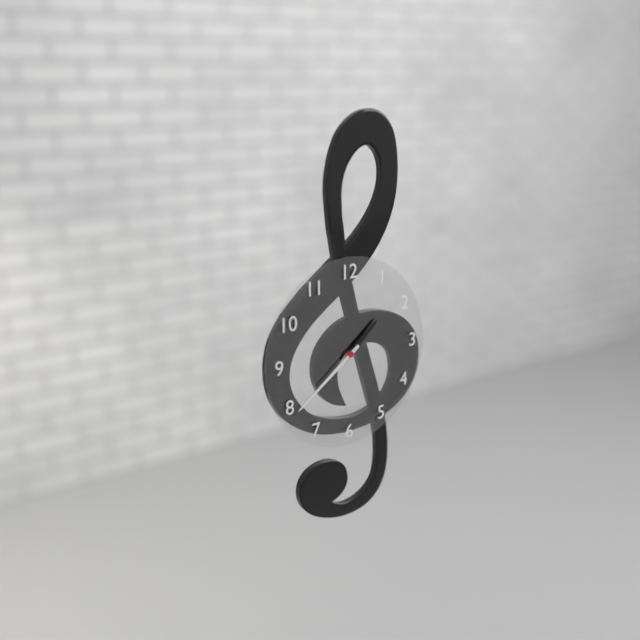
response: 1h39
